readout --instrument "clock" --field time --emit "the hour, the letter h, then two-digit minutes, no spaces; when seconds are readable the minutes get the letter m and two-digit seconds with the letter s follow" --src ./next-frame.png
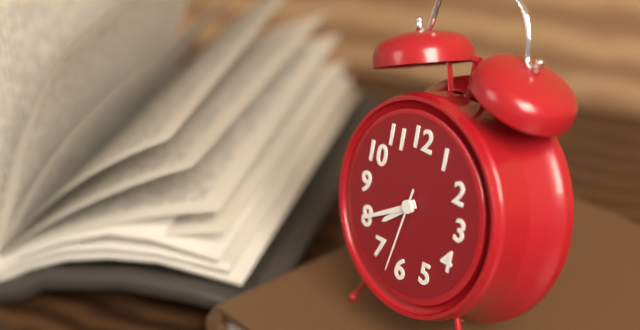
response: 7h40m32s
